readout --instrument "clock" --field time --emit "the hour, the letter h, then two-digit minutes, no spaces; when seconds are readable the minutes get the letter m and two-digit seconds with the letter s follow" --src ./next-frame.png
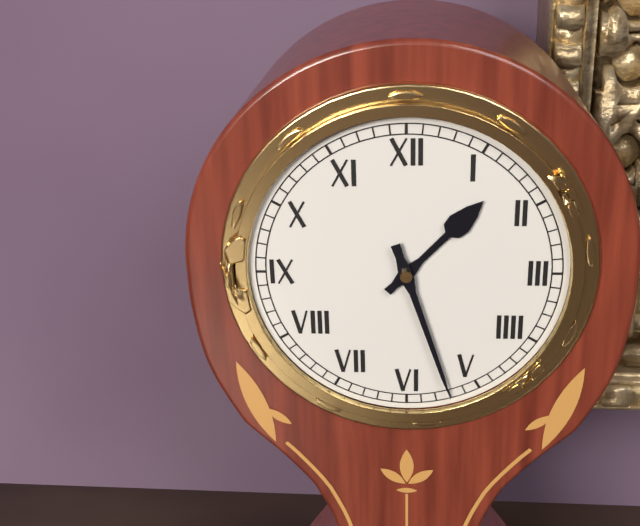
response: 1h27
